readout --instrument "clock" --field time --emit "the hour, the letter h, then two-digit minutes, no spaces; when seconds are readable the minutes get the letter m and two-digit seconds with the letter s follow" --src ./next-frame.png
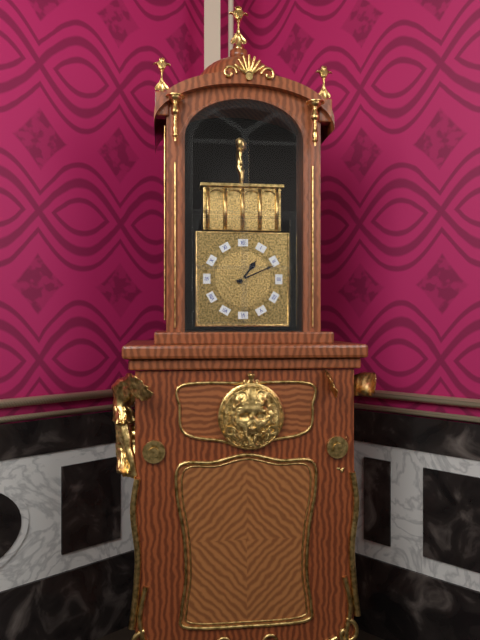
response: 1h11
